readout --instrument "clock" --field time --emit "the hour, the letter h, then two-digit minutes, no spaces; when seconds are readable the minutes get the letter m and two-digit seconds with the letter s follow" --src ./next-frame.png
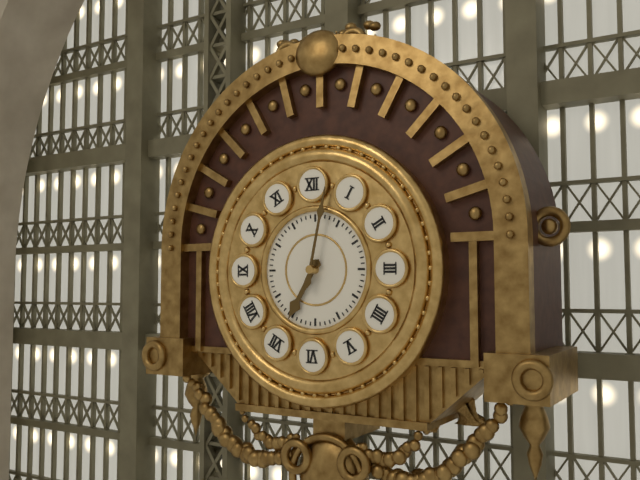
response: 7h02
